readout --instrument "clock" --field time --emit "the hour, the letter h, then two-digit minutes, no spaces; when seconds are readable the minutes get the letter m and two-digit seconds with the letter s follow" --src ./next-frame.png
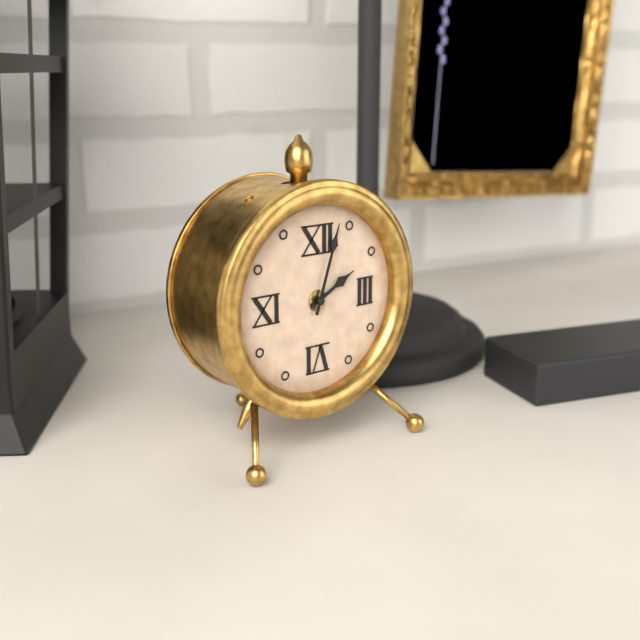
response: 2h03
